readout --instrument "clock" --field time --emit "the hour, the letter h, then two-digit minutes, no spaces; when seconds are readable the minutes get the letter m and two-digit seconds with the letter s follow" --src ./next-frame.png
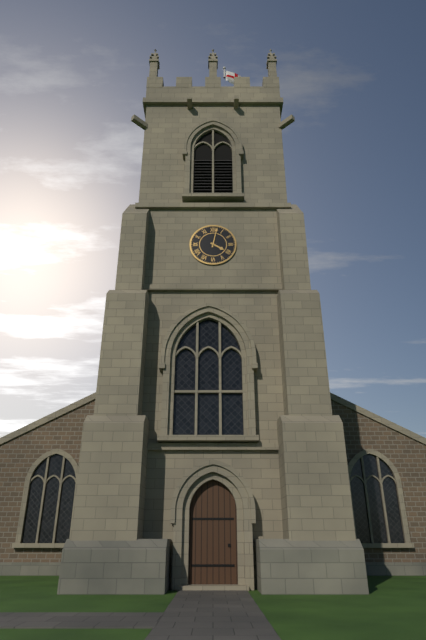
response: 4h02
